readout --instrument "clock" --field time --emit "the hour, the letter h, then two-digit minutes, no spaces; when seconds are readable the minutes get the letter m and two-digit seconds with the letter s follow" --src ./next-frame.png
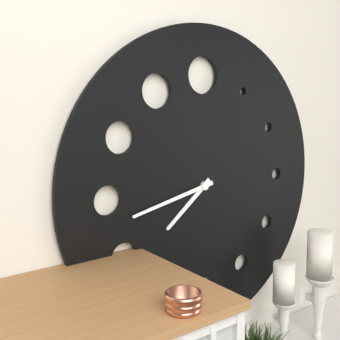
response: 7h43
